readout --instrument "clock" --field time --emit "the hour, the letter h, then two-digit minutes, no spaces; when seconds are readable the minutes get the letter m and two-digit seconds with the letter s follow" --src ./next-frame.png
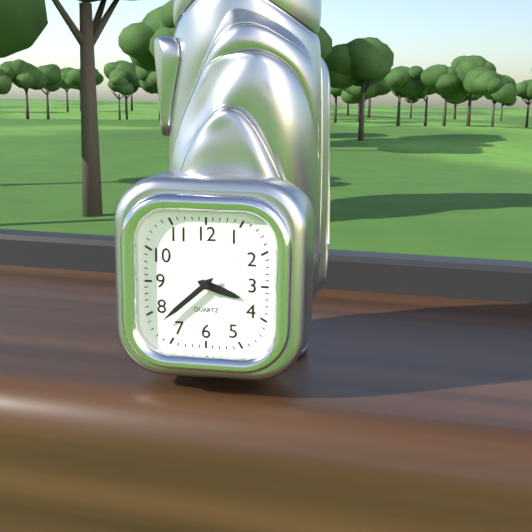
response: 3h38
